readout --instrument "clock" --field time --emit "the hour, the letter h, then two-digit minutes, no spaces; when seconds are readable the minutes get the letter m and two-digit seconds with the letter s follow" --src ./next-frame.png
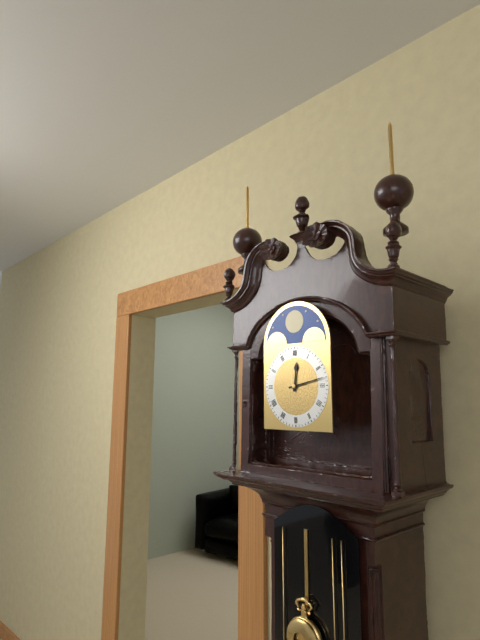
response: 12h13
